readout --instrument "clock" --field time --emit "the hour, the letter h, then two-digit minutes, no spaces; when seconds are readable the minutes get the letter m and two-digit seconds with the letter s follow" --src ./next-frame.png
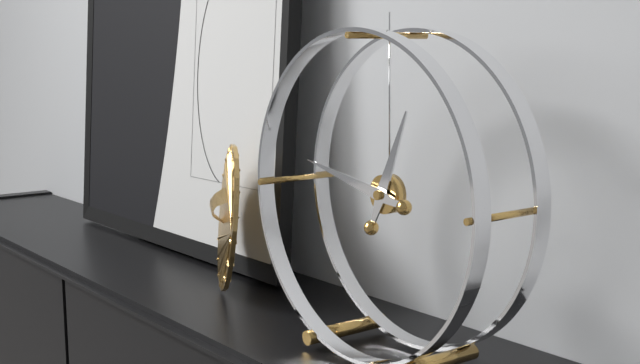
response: 12h47
